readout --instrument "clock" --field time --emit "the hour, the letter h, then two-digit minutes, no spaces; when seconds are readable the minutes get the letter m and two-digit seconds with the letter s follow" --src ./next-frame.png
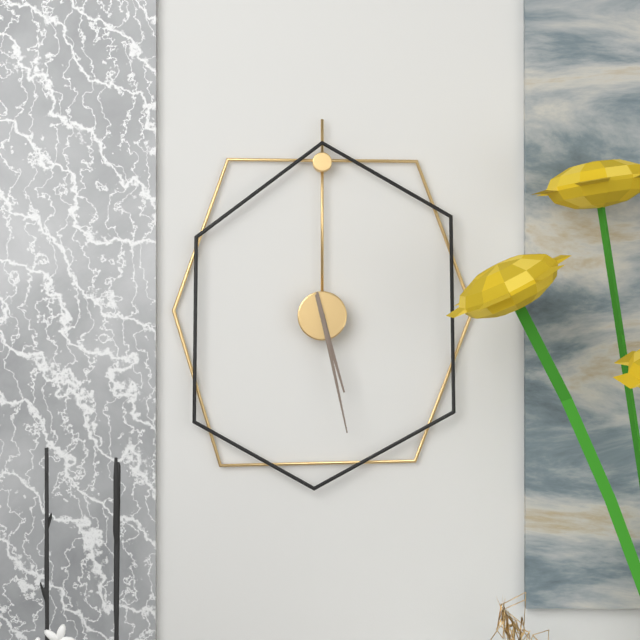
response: 5h28
